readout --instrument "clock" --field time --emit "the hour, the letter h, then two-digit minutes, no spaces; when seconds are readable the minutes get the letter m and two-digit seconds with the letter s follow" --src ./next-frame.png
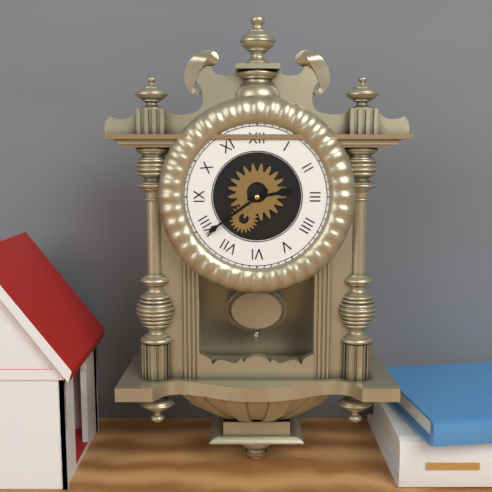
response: 2h39
